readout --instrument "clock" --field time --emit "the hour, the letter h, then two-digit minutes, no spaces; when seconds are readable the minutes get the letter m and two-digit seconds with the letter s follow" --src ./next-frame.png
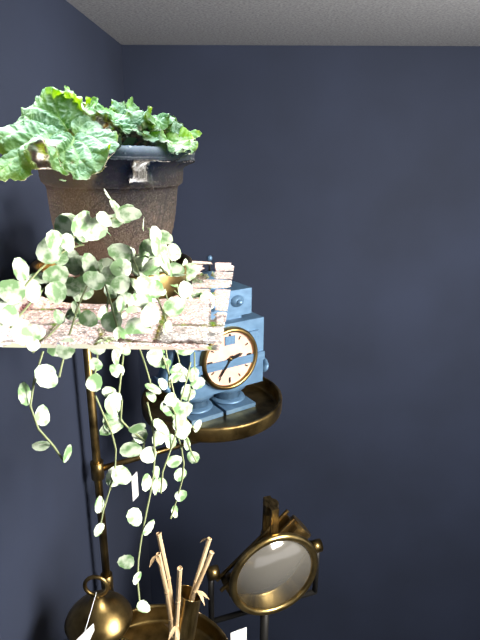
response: 2h36
